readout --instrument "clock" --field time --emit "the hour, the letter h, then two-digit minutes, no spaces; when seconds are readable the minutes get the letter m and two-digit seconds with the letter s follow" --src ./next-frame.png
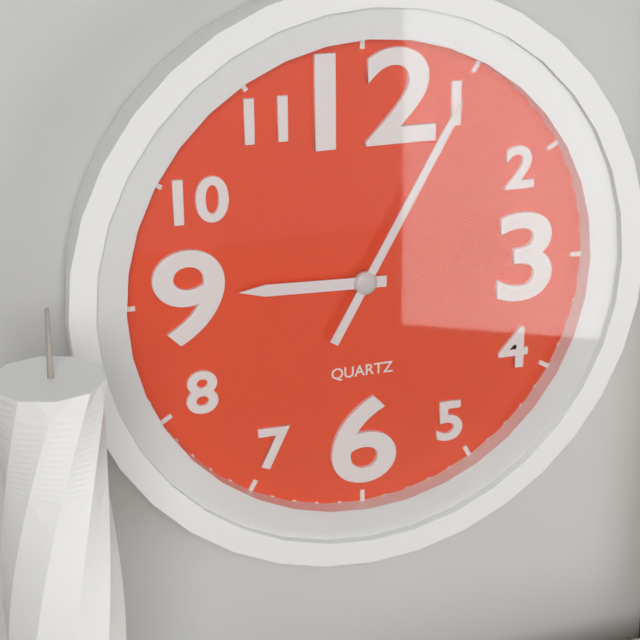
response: 9h05
